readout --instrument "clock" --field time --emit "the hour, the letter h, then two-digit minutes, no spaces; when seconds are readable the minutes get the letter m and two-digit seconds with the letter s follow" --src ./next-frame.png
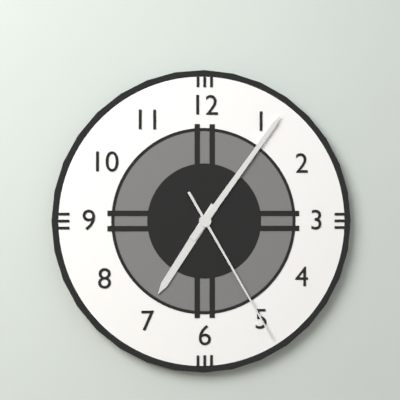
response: 7h06m25s
